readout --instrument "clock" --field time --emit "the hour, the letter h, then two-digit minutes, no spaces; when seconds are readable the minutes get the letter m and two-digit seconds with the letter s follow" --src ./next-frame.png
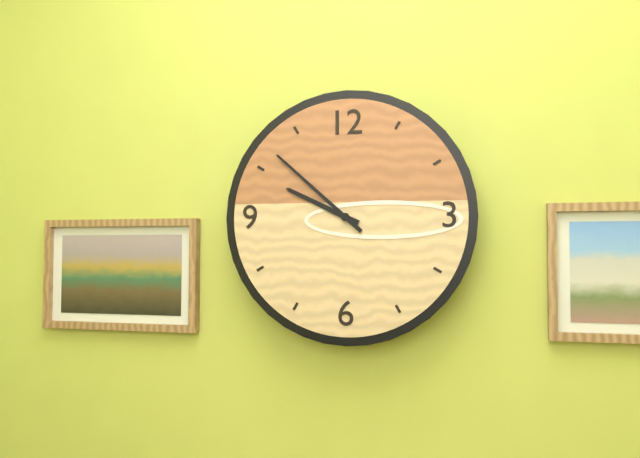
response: 9h52
